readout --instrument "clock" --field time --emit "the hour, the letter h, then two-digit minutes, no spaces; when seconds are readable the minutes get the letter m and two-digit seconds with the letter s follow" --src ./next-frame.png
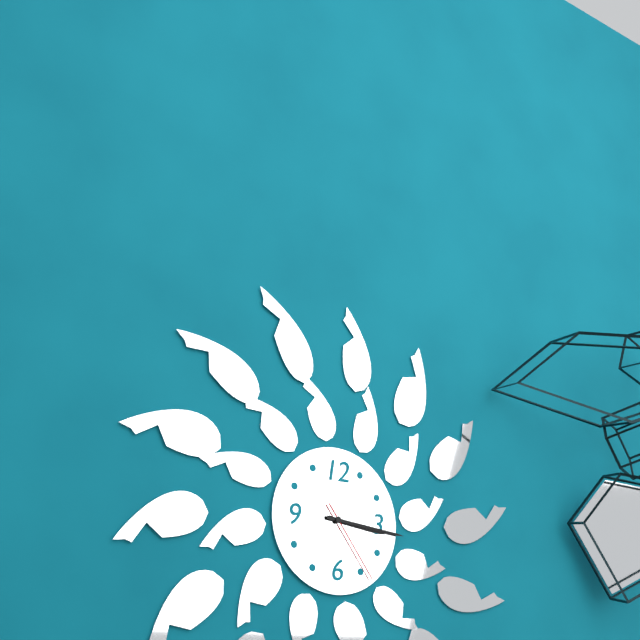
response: 3h16m24s
